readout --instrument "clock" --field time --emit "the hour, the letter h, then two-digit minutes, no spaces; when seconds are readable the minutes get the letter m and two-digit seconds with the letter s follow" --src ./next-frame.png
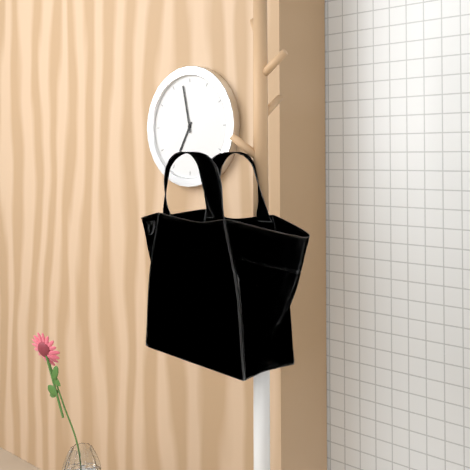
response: 6h58
